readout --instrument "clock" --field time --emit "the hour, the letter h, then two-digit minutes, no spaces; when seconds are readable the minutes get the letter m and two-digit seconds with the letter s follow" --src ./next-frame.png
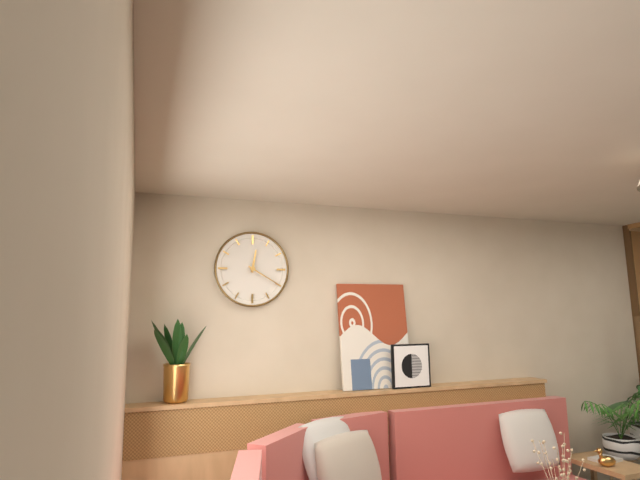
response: 12h20
